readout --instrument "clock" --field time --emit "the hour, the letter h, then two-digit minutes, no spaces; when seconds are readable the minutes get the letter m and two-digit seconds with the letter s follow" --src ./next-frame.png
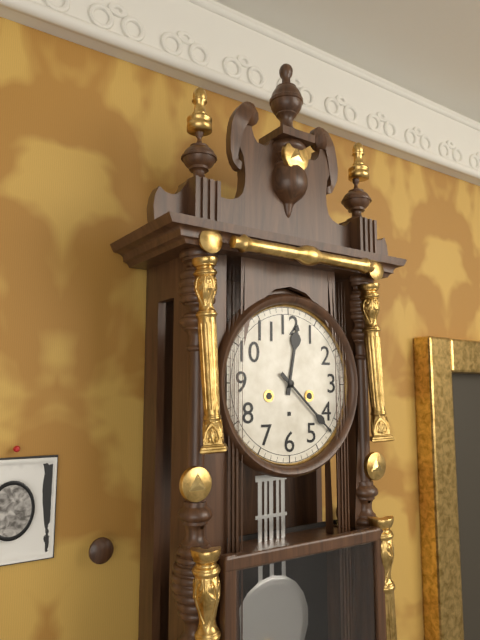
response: 12h22
